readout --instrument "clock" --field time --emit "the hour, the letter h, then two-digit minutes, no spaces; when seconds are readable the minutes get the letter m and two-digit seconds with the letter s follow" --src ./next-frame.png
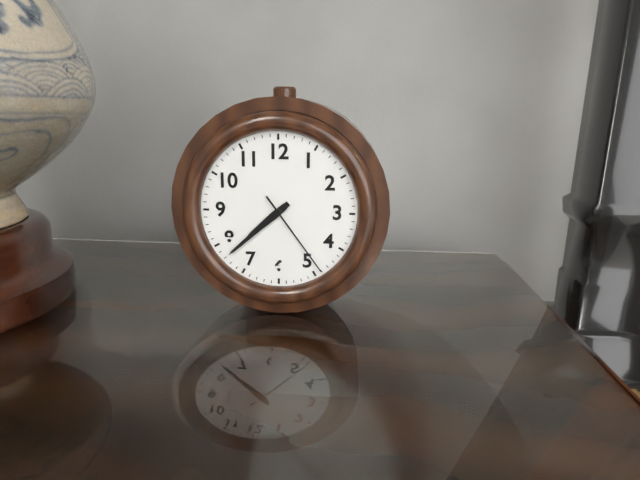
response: 7h38m24s
